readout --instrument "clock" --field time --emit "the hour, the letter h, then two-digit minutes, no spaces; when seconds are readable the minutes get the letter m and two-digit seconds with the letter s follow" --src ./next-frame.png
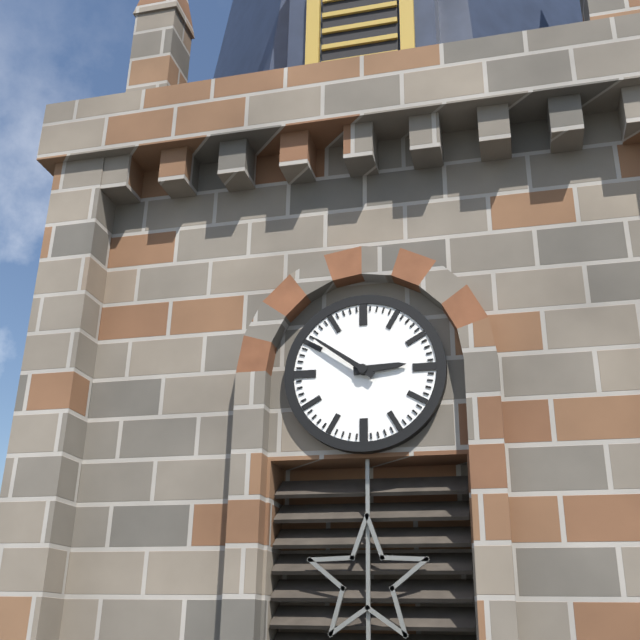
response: 2h51
